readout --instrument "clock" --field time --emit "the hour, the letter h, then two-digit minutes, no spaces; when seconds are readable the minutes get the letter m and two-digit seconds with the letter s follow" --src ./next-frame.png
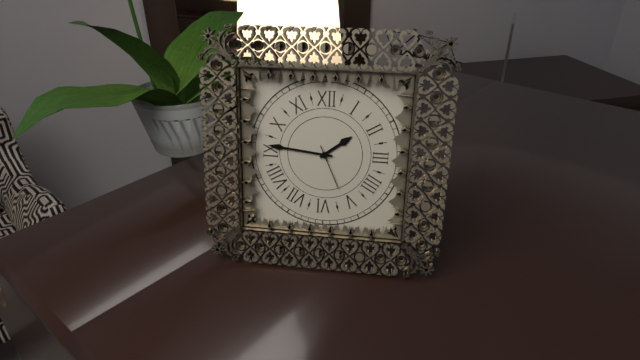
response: 1h46
